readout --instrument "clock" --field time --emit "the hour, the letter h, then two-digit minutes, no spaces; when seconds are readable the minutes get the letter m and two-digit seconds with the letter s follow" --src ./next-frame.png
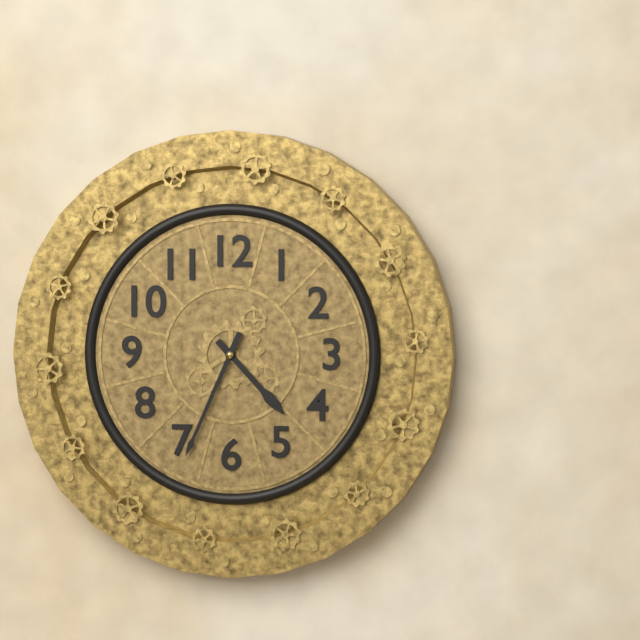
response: 4h34
